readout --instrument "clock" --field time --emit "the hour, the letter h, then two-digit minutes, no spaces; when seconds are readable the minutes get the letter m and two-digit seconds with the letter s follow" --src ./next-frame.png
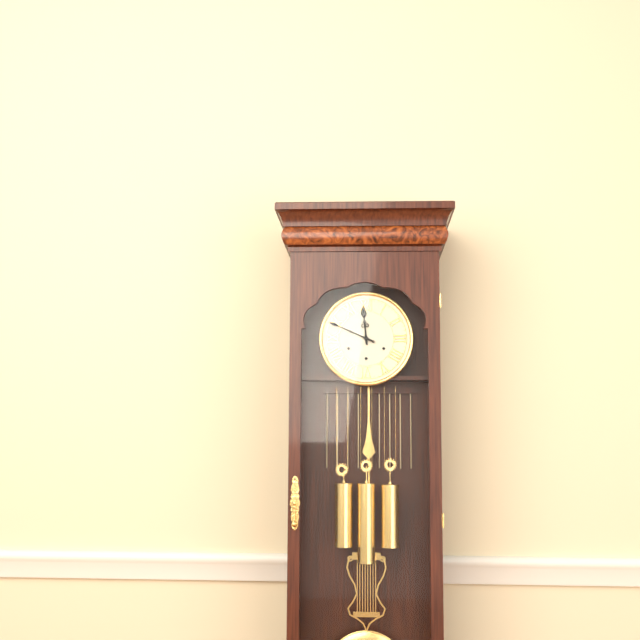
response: 11h49
